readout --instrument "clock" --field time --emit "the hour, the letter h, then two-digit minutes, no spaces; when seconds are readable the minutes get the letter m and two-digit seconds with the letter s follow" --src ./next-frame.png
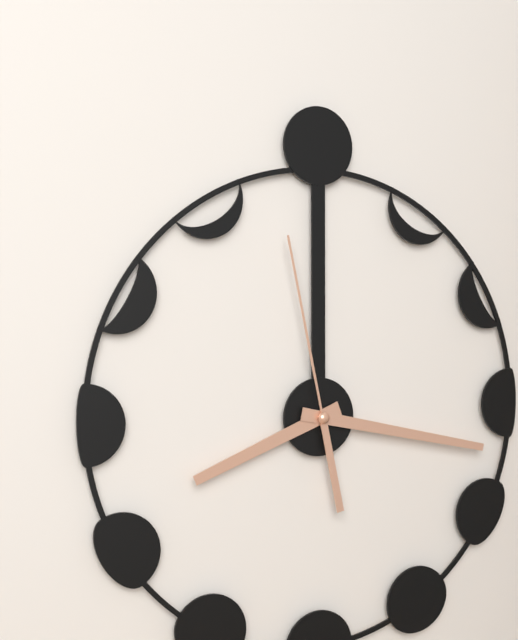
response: 8h17m58s
